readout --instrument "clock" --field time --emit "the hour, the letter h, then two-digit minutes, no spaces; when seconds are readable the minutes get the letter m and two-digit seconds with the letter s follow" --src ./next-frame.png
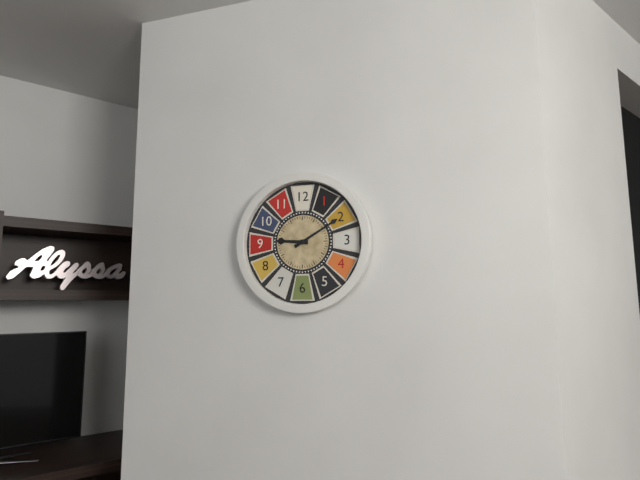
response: 9h10
